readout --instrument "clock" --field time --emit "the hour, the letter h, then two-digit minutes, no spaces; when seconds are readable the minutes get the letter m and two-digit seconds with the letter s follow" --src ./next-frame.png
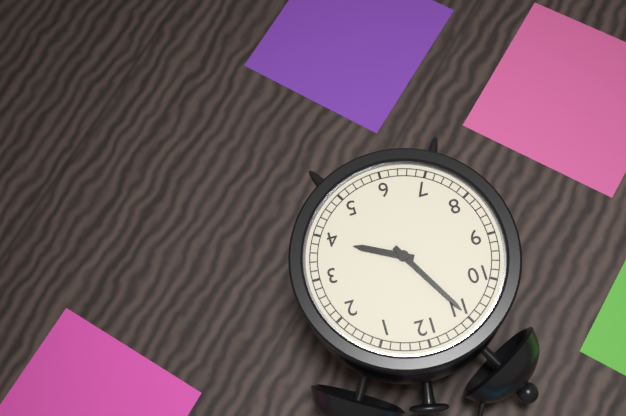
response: 3h55
